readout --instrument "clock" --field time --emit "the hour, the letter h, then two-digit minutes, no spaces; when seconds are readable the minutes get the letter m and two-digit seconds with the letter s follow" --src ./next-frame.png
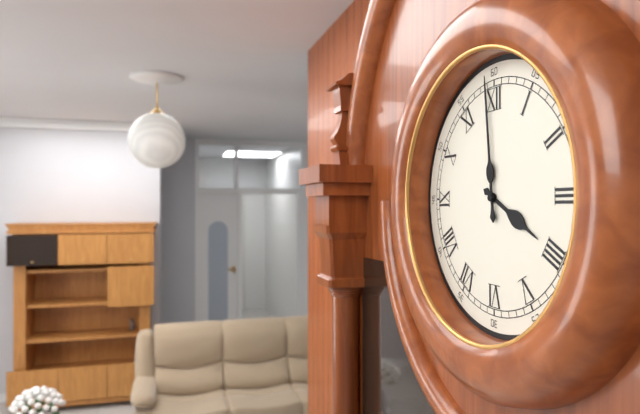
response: 3h59
